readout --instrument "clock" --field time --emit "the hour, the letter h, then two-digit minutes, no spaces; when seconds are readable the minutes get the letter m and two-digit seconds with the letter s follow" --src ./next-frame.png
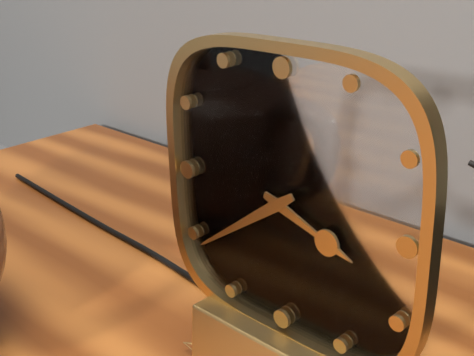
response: 3h39
